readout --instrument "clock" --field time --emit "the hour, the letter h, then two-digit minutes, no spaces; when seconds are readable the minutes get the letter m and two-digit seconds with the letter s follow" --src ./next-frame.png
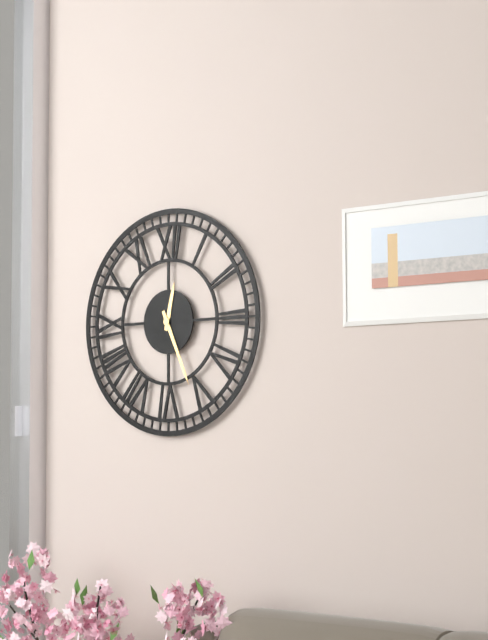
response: 12h26
